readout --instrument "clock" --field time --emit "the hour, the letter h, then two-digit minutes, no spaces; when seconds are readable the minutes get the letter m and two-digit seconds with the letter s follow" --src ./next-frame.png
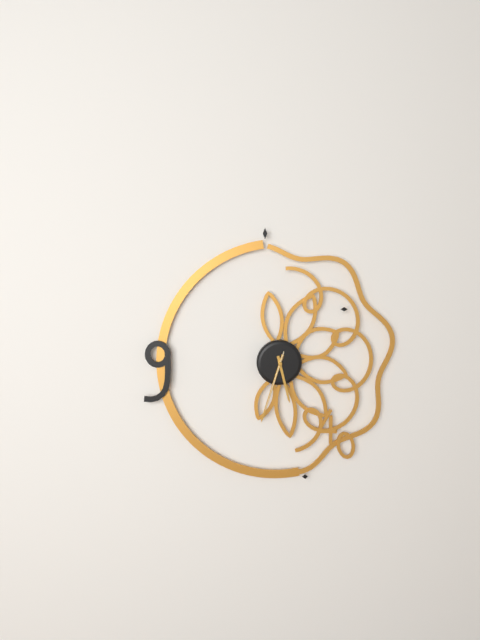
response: 5h33m33s
